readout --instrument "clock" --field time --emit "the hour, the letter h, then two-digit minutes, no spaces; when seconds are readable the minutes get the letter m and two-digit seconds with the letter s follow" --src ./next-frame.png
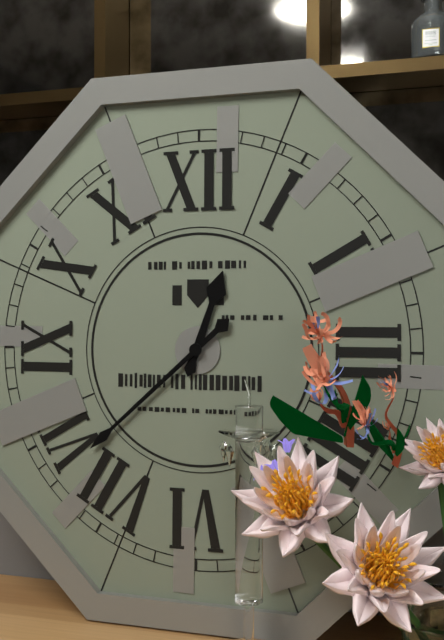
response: 12h38
